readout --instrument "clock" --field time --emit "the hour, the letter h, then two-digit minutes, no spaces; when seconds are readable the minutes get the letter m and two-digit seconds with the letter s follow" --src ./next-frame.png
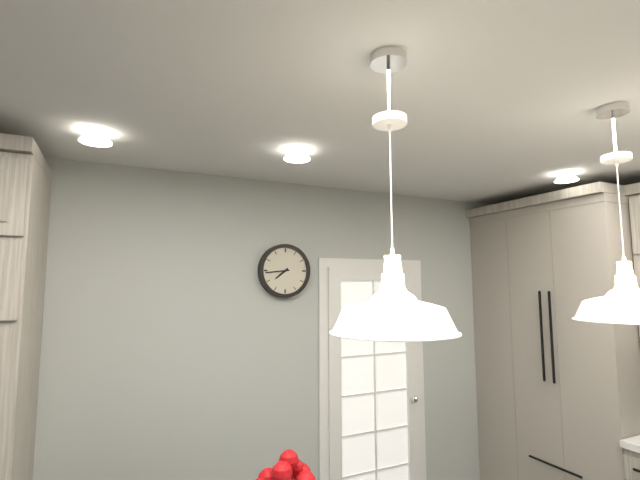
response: 7h44
